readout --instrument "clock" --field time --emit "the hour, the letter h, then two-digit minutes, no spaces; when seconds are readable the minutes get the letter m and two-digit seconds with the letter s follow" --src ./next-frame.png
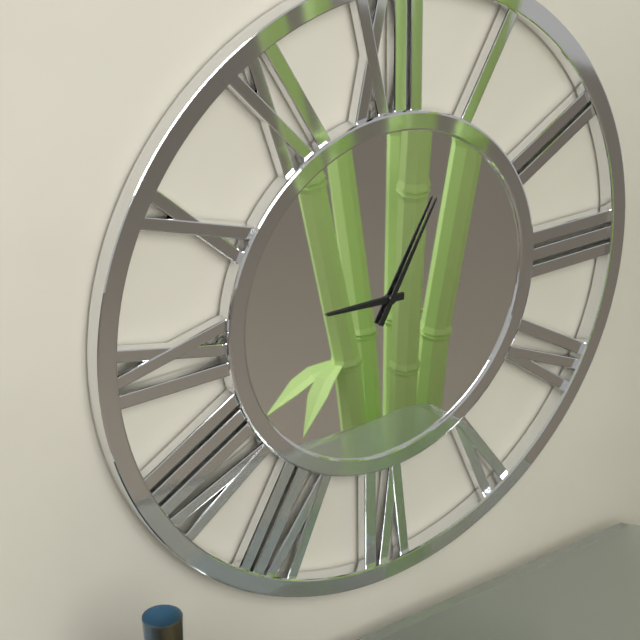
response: 9h05
